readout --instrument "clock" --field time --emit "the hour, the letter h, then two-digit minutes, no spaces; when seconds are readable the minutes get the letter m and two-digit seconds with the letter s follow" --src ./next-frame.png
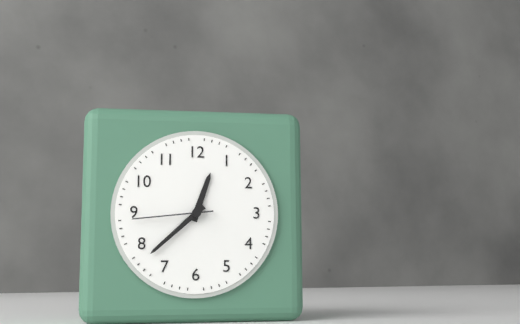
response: 12h38m44s
